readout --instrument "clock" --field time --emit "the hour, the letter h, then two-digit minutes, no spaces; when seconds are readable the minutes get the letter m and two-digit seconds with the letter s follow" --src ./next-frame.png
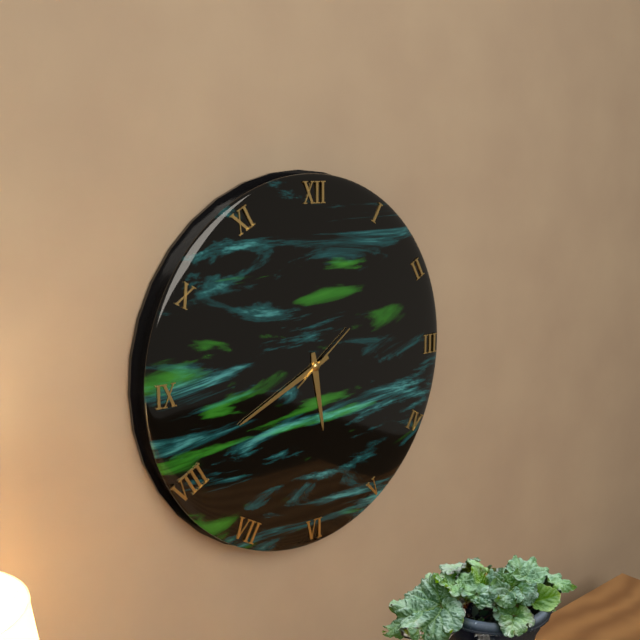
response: 5h41m09s
